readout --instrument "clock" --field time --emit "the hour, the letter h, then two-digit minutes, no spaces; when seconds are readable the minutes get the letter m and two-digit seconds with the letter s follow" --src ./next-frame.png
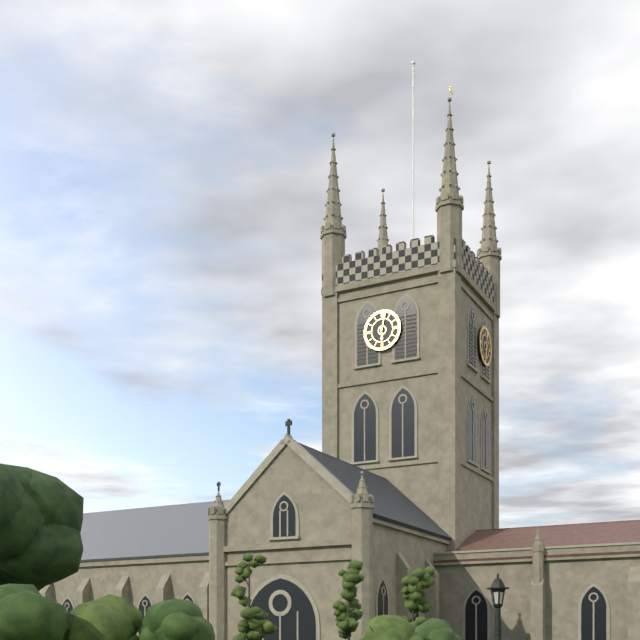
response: 6h02
